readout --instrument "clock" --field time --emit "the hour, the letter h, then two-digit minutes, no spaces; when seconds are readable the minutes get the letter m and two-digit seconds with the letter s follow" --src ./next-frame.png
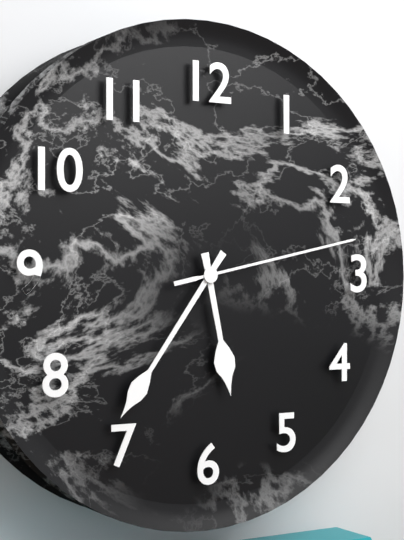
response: 5h36m13s
